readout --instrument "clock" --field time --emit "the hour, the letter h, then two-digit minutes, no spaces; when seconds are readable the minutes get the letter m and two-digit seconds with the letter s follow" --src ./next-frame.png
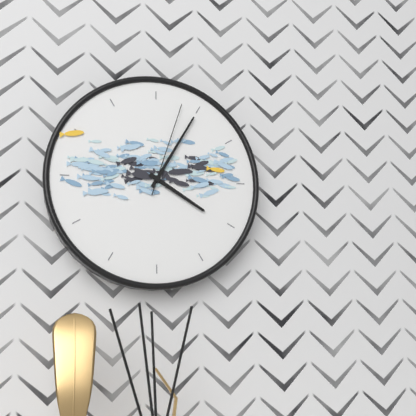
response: 4h05m03s
